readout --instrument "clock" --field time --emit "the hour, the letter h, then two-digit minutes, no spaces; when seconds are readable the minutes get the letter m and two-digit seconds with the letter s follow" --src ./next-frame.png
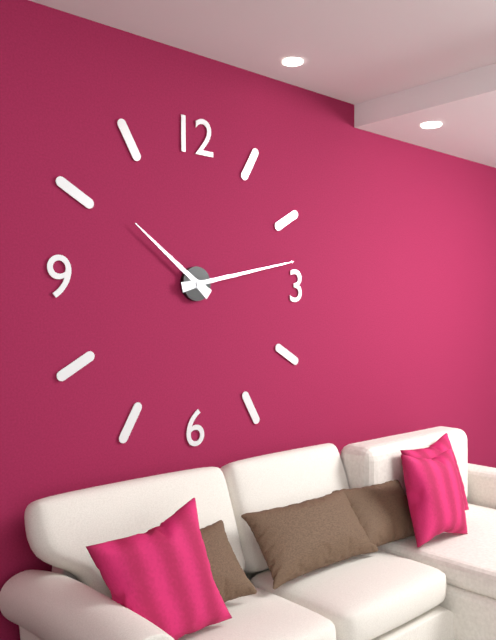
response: 10h13
